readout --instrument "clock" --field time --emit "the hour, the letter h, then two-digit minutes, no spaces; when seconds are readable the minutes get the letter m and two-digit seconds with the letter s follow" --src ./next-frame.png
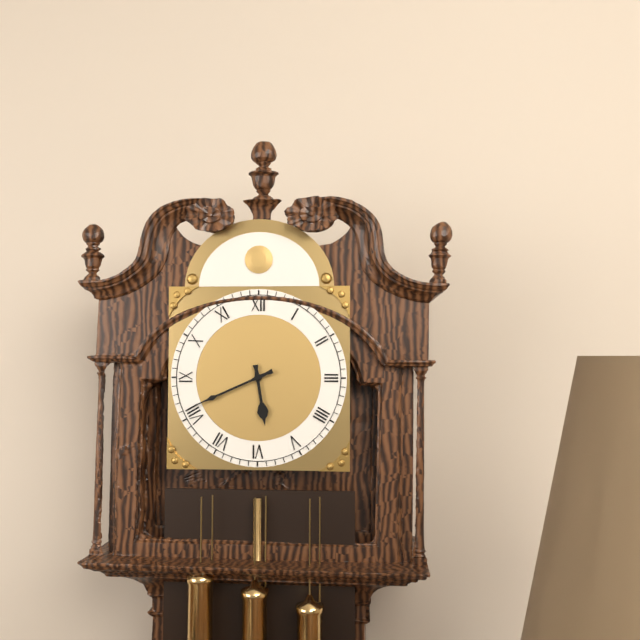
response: 5h41
